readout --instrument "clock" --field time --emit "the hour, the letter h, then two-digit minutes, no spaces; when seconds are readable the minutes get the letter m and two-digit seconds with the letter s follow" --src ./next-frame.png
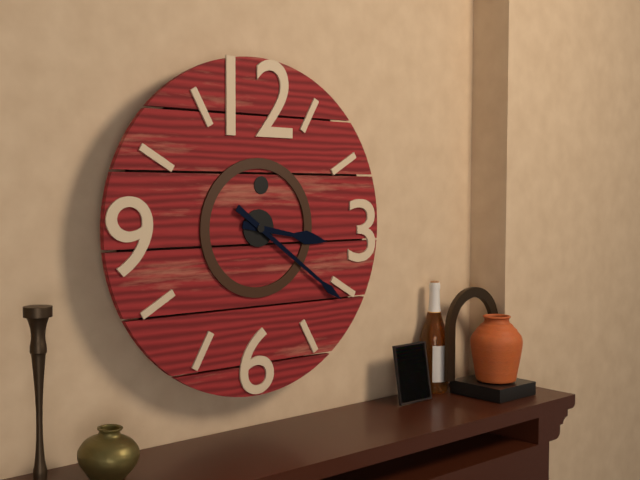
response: 3h21
